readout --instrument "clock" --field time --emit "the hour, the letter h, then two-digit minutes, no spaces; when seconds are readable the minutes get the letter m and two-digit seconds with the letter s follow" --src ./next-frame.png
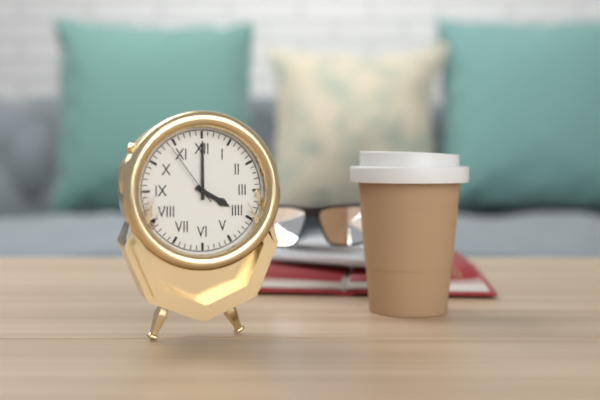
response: 4h00m54s
